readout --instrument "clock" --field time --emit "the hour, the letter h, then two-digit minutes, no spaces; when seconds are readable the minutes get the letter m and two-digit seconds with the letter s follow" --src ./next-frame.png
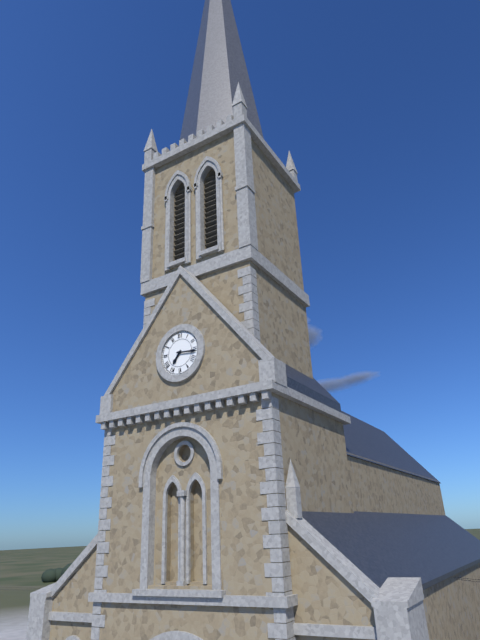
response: 7h16
